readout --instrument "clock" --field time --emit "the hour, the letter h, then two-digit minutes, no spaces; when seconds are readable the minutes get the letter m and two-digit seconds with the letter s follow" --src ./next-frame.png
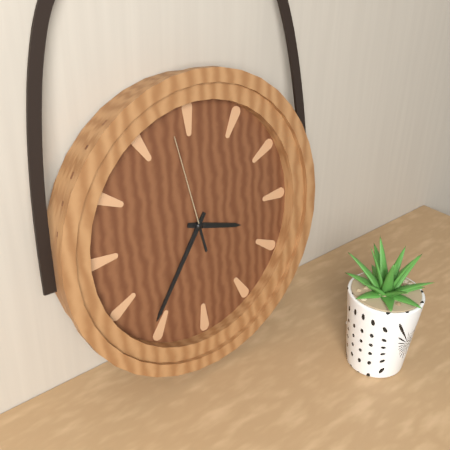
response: 3h36m58s
